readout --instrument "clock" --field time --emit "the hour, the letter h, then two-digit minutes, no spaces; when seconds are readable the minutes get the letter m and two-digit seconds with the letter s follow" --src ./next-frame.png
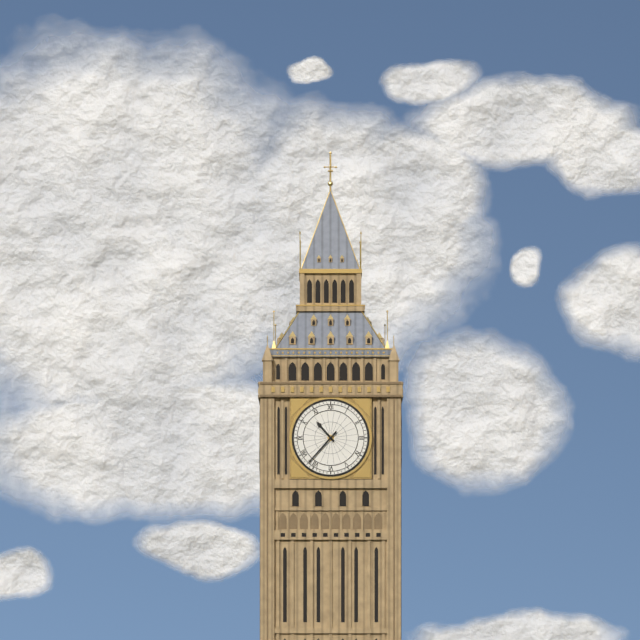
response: 10h37
